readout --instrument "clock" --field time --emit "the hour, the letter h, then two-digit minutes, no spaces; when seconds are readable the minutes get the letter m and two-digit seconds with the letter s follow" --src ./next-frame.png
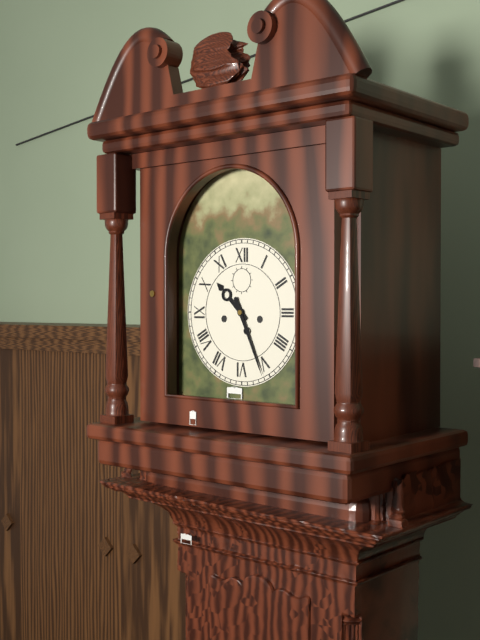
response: 10h26
